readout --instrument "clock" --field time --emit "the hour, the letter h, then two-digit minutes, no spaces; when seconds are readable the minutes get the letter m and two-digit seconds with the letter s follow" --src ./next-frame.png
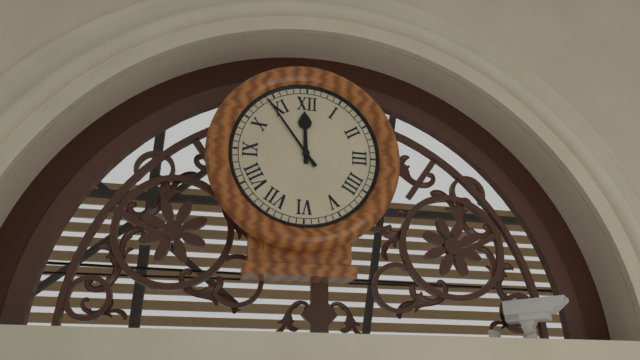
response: 11h54
